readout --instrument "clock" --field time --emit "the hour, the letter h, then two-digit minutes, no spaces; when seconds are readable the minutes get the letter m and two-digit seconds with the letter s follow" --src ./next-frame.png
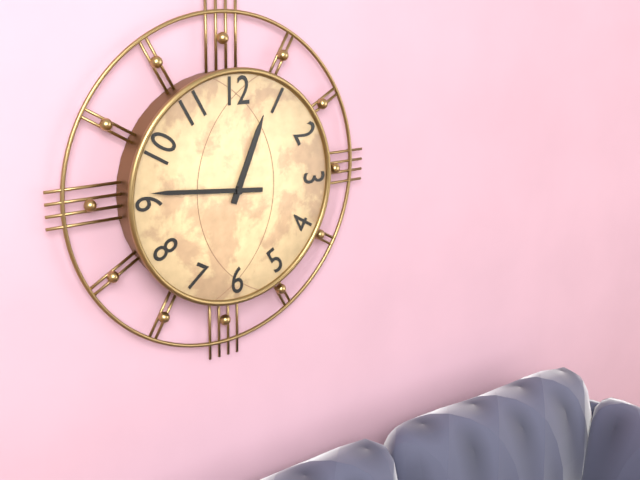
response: 12h46
